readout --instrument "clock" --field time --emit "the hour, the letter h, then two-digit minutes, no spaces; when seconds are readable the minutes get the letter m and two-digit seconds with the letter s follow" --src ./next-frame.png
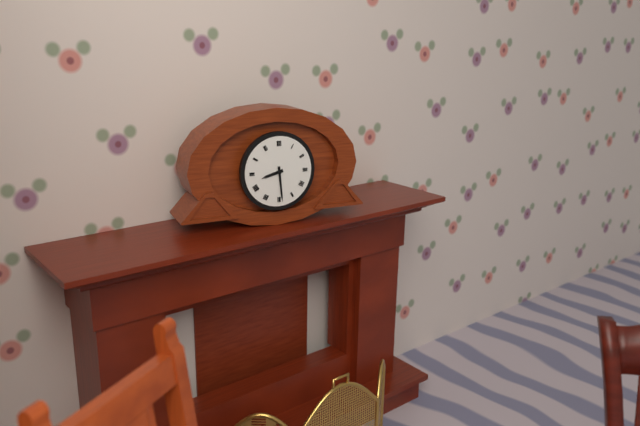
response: 8h29
